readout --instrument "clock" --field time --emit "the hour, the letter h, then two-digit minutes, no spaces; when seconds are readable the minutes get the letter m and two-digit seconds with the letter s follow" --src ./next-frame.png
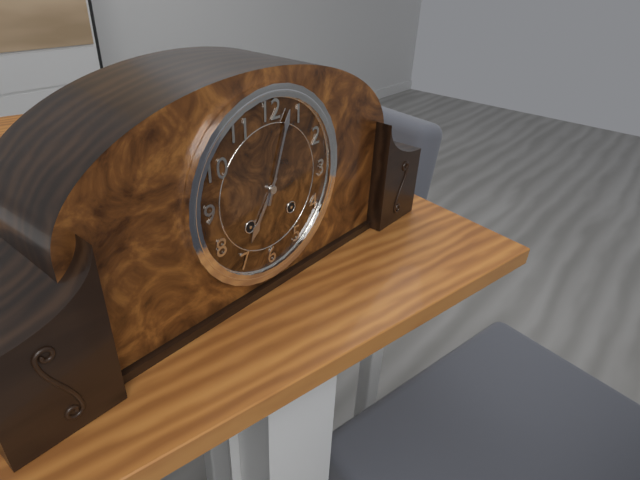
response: 7h03
